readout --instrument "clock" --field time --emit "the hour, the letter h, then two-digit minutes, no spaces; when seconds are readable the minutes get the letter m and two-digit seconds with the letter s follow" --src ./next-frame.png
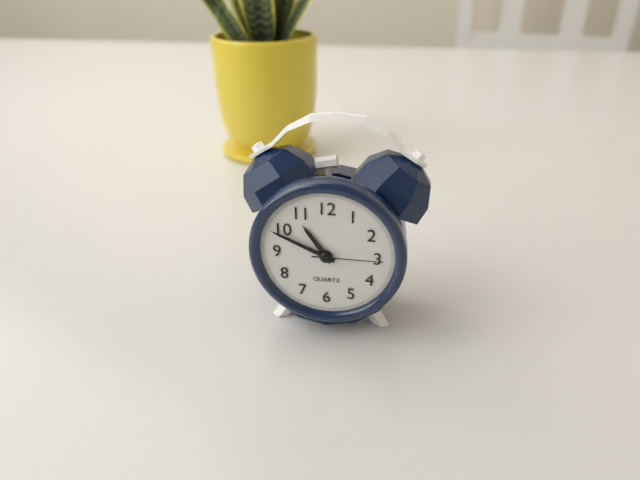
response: 10h49m15s
